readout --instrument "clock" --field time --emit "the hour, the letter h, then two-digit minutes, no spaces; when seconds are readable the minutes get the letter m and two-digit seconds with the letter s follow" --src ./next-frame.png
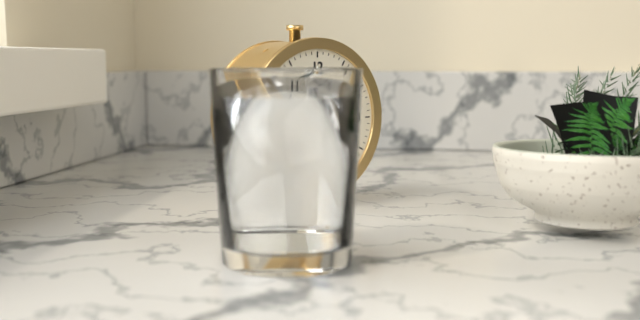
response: 8h50
